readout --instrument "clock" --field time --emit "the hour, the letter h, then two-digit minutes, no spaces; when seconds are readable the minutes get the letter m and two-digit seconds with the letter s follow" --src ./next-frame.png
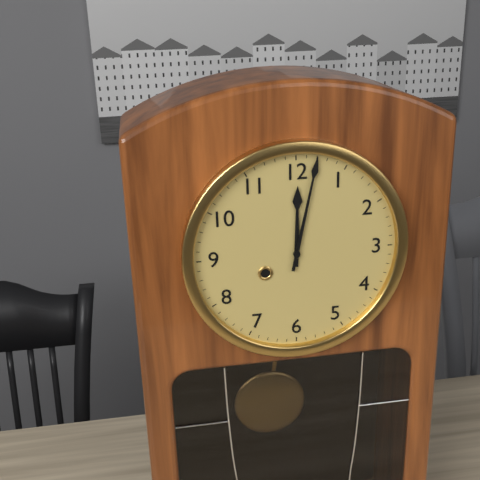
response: 12h02
